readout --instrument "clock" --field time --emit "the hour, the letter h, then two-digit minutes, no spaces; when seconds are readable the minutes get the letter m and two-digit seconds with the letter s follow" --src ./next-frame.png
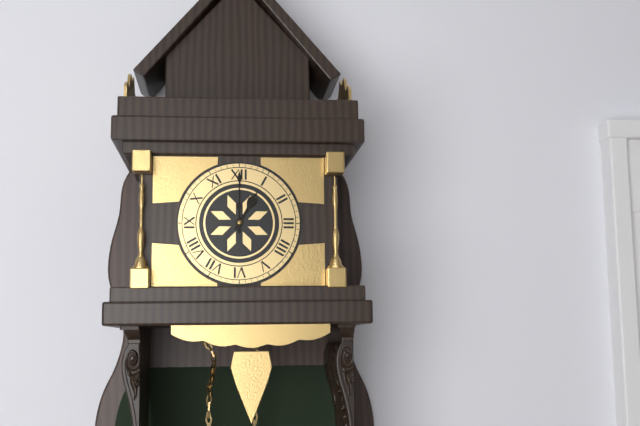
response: 1h00
